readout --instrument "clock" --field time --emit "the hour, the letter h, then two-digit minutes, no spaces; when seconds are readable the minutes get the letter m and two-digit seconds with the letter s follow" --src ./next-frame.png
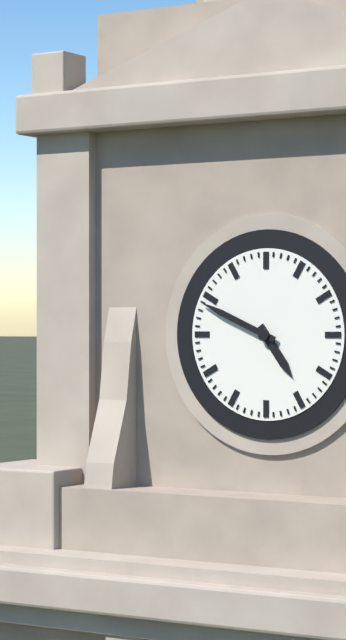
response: 4h49
